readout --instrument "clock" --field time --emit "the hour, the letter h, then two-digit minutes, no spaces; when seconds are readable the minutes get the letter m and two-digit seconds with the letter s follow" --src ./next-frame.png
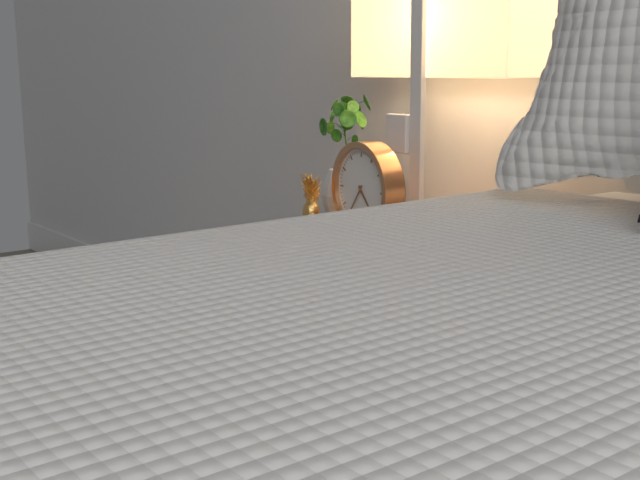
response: 4h36
